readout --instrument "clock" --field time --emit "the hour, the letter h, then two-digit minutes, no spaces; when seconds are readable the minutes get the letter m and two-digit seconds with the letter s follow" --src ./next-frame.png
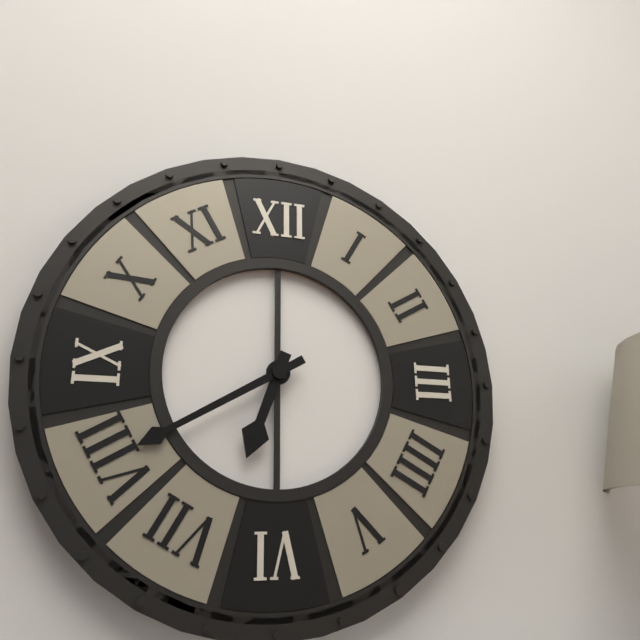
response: 6h40
